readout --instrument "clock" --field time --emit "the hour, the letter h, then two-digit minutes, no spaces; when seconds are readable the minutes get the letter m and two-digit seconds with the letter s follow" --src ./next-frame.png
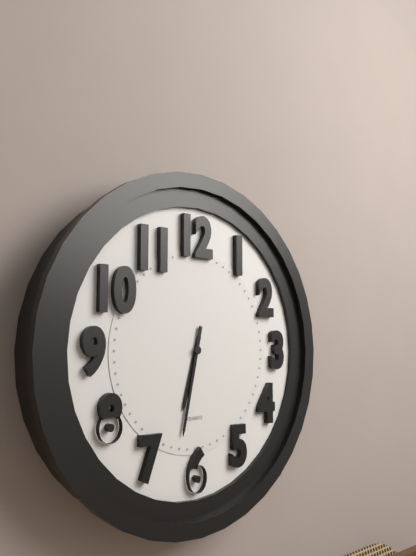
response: 6h32
